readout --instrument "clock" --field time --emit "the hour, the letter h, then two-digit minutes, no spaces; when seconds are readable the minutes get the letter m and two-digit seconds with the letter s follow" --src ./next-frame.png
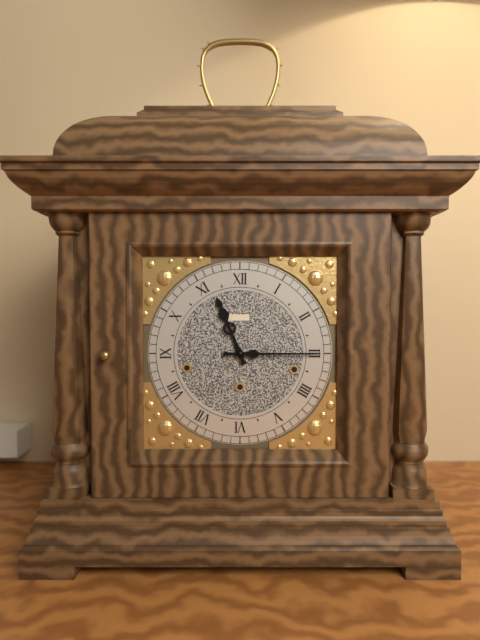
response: 11h15
